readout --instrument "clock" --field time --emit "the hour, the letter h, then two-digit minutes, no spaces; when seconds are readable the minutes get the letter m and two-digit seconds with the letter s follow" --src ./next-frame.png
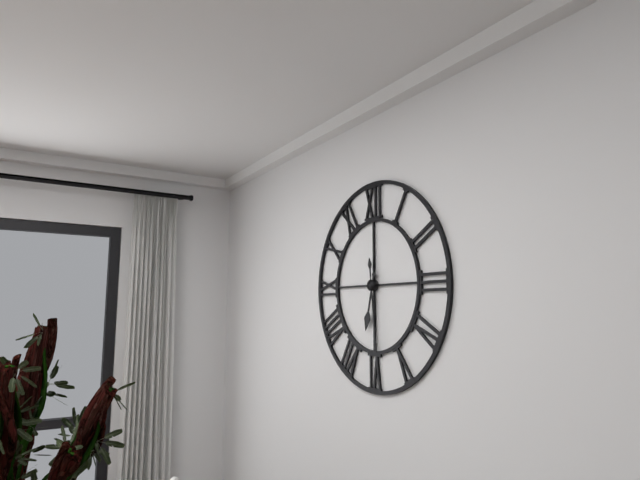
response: 6h29
